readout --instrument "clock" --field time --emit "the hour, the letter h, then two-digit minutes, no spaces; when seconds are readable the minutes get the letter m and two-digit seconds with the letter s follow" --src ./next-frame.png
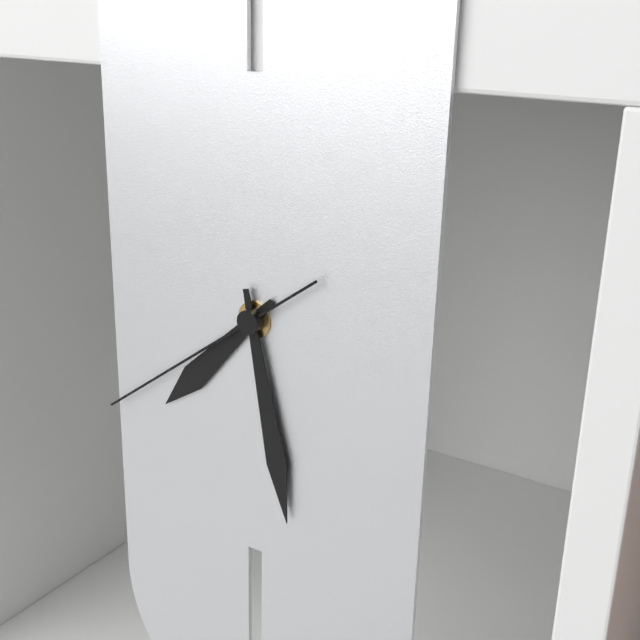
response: 7h28m39s
